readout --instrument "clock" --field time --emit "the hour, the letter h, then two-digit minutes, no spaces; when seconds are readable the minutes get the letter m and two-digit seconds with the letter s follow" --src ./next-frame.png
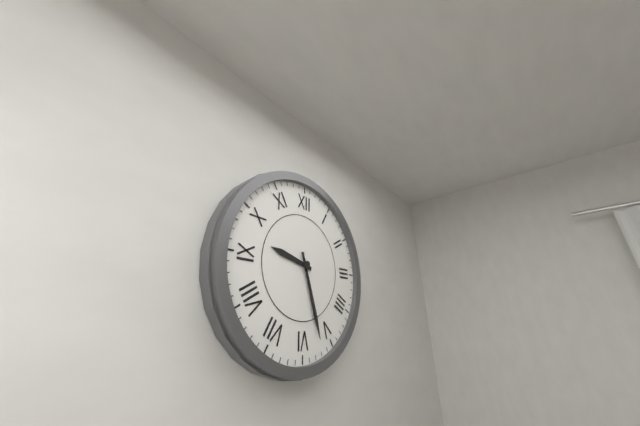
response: 9h27
